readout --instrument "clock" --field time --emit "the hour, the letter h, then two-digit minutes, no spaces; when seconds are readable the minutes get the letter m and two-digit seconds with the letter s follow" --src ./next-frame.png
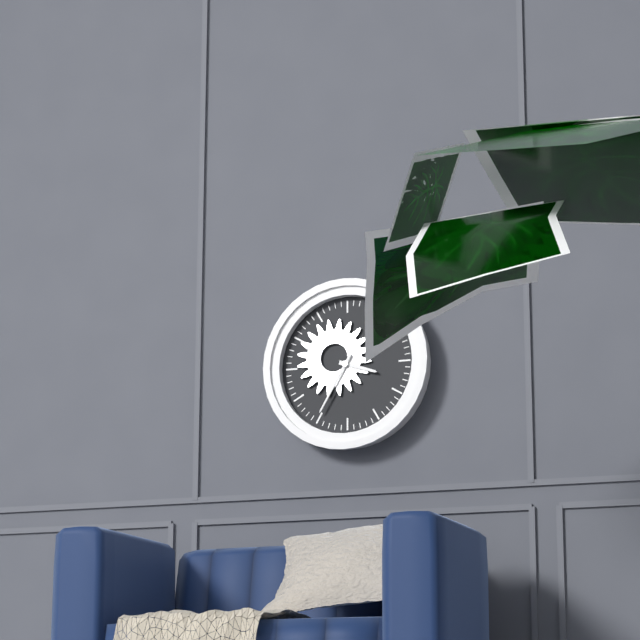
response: 3h35
